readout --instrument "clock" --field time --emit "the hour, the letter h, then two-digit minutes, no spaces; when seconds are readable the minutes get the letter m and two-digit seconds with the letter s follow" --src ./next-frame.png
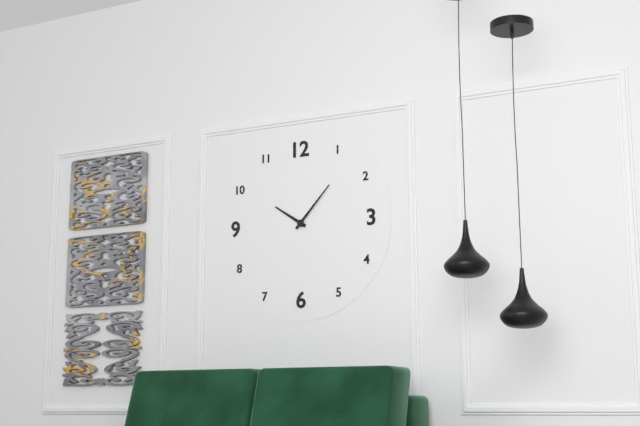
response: 10h07
